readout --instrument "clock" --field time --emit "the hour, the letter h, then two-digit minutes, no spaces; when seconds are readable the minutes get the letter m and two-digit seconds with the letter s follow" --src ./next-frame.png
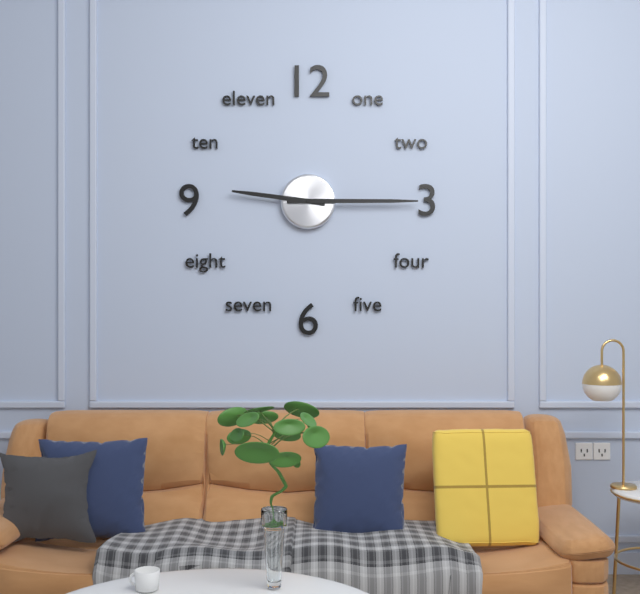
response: 9h15
